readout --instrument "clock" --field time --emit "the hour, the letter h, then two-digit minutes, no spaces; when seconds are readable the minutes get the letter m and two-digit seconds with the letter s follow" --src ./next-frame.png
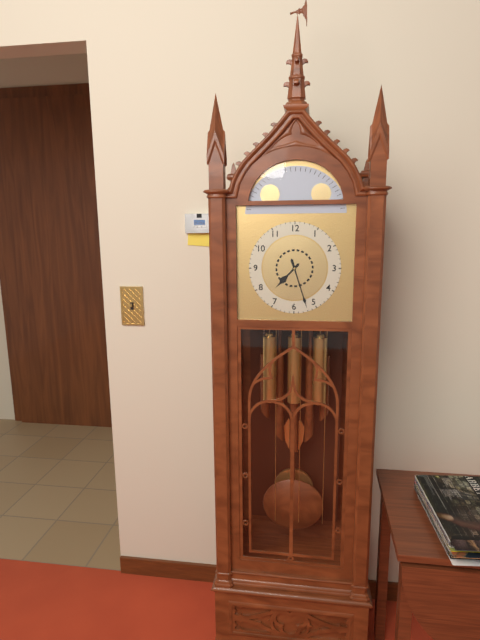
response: 7h27
